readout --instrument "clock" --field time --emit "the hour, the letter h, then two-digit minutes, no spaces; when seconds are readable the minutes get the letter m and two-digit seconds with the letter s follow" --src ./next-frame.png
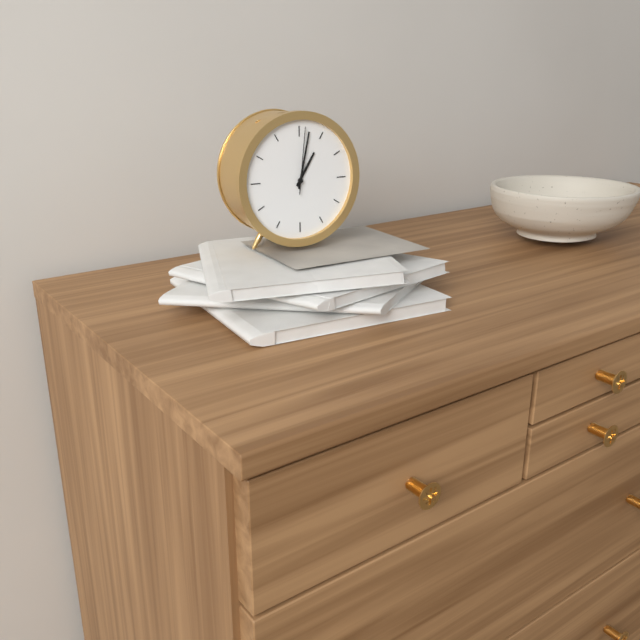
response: 1h02m01s
